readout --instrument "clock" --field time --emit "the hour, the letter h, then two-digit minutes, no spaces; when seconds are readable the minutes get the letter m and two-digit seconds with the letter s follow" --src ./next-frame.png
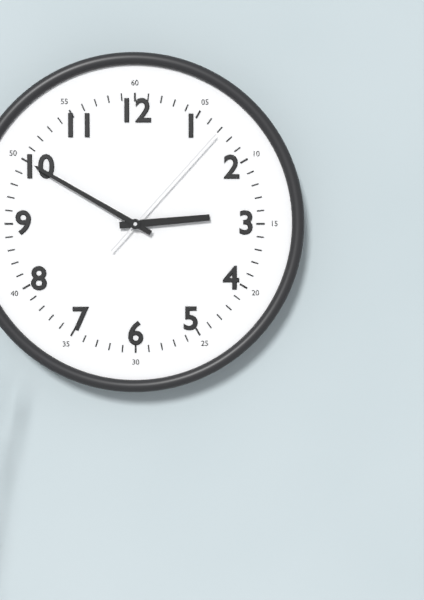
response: 2h50m07s
